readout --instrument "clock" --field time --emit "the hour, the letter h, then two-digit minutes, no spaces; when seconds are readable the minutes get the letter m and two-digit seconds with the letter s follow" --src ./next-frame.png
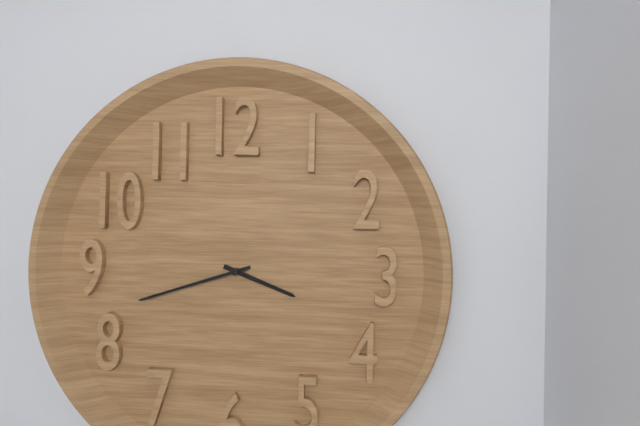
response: 3h42
